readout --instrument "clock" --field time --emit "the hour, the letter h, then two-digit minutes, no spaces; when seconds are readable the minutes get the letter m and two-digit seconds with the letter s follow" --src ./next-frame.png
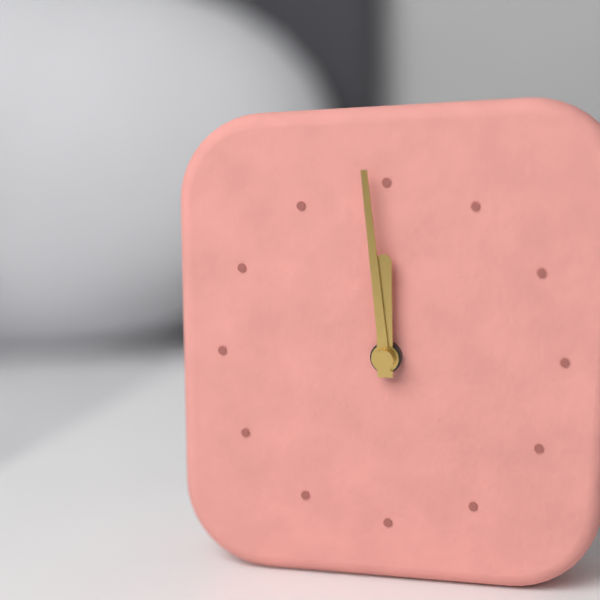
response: 11h59
